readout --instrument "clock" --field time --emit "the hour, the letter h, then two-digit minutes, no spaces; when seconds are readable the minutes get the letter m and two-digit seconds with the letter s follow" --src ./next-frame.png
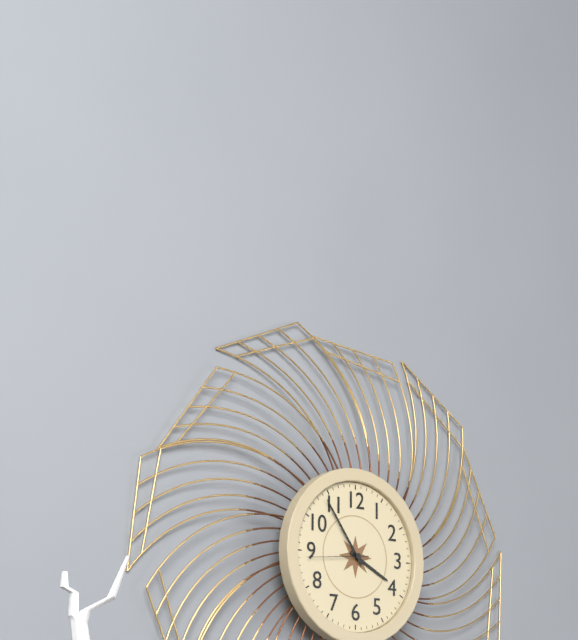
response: 3h54m44s
